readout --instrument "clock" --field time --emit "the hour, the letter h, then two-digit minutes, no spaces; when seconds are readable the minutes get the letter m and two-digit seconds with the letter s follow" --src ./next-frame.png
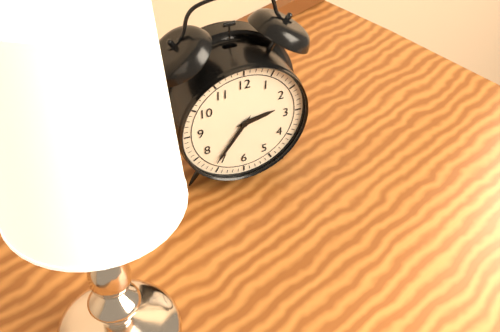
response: 2h36
